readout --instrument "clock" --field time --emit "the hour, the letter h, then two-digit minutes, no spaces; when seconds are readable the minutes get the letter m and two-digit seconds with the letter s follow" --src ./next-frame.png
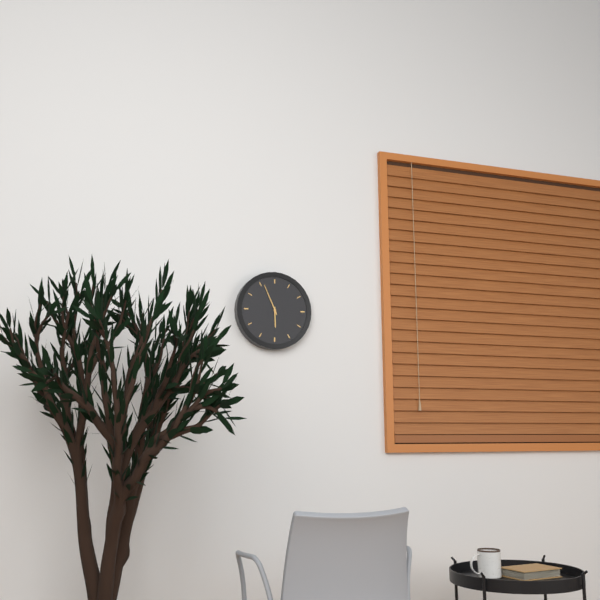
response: 5h56
